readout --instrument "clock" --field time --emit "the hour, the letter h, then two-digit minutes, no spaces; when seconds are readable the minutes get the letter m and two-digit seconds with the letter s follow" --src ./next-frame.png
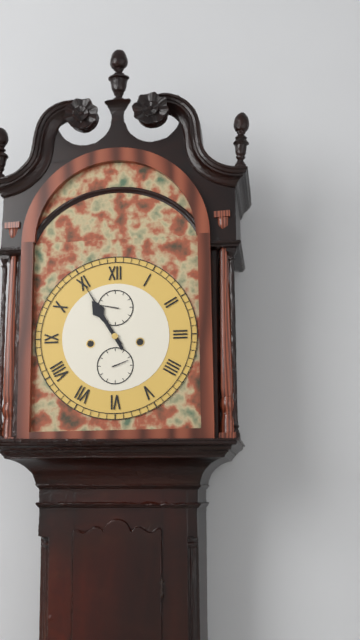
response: 10h55
